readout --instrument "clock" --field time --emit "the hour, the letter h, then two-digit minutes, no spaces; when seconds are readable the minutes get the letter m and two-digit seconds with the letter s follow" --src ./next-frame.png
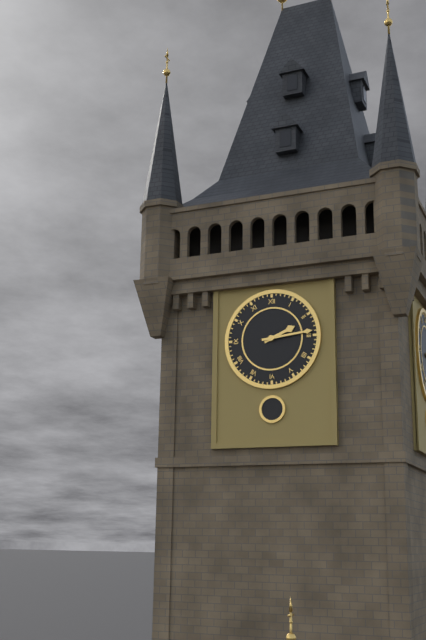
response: 2h14
